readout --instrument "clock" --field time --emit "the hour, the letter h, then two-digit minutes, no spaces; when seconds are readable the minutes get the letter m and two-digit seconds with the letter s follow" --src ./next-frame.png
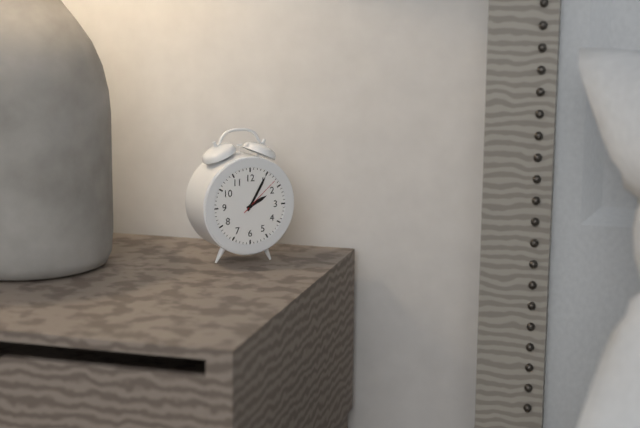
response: 2h05
